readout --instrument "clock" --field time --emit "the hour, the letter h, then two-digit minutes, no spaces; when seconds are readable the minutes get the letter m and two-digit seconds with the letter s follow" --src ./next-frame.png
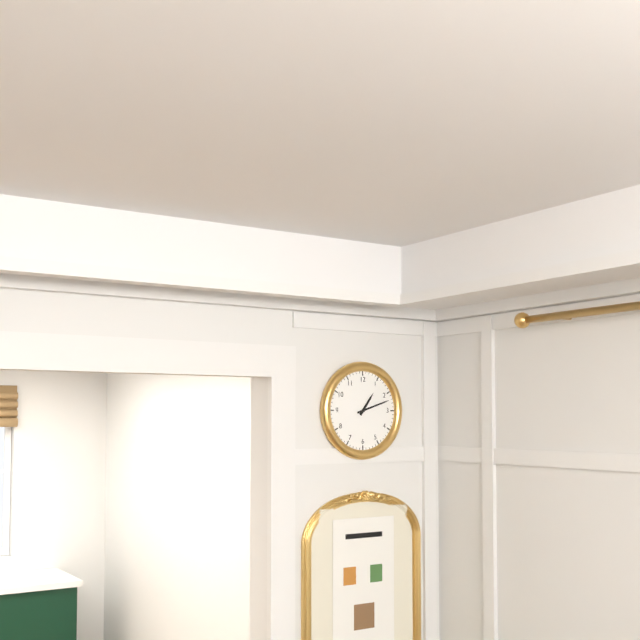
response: 1h12
